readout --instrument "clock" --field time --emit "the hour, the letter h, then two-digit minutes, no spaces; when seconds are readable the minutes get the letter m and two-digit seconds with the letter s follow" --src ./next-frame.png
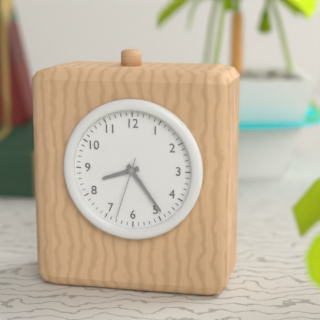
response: 8h24m33s
